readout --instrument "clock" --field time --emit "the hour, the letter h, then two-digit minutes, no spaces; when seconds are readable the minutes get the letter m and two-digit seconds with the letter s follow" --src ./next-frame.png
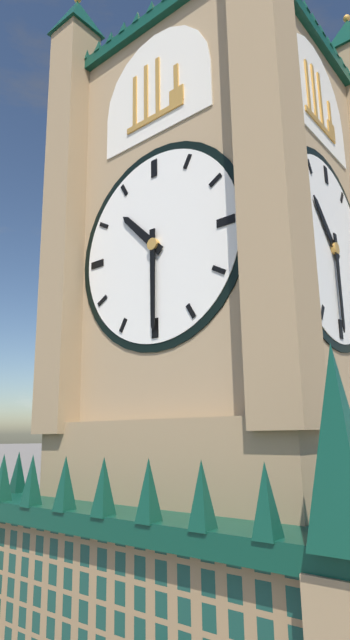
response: 10h30
